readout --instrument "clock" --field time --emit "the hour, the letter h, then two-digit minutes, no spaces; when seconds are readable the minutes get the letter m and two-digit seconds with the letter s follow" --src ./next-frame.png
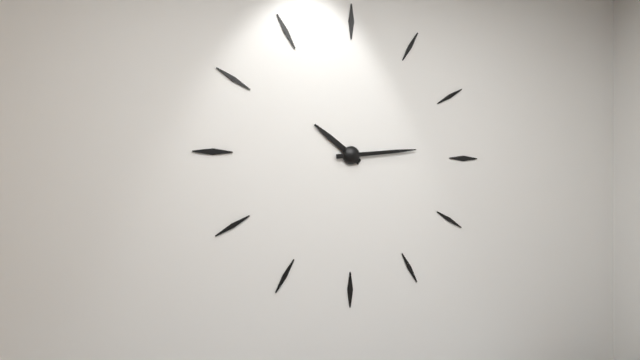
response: 10h14
